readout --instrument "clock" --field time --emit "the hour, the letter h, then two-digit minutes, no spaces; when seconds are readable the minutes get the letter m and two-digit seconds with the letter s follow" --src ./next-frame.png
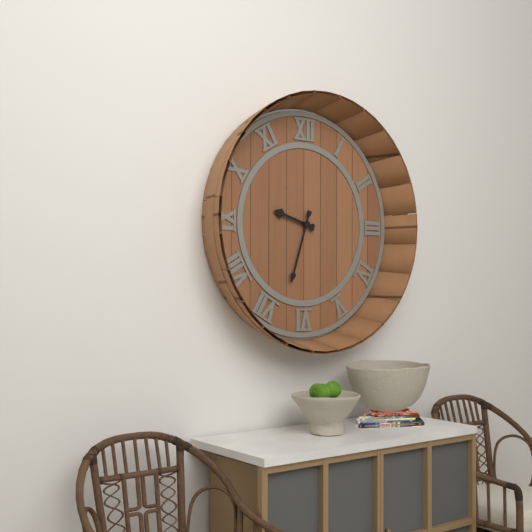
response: 9h33
